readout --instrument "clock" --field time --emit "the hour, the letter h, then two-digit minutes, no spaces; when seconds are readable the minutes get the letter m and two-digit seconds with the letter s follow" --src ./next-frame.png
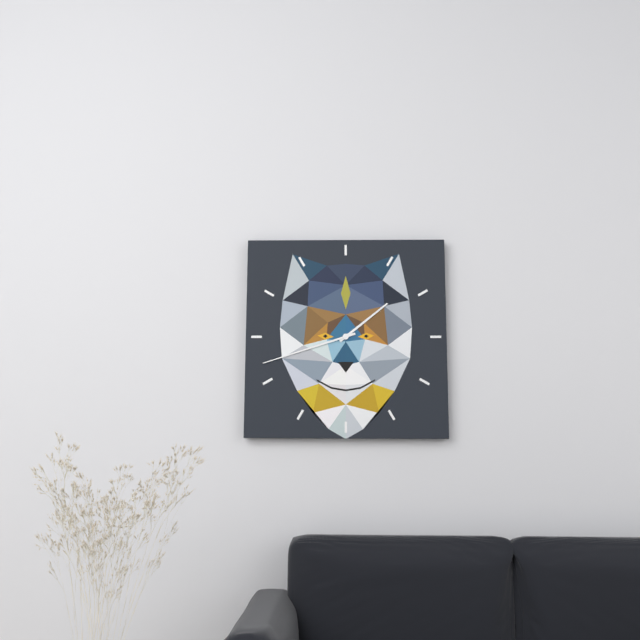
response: 1h42
